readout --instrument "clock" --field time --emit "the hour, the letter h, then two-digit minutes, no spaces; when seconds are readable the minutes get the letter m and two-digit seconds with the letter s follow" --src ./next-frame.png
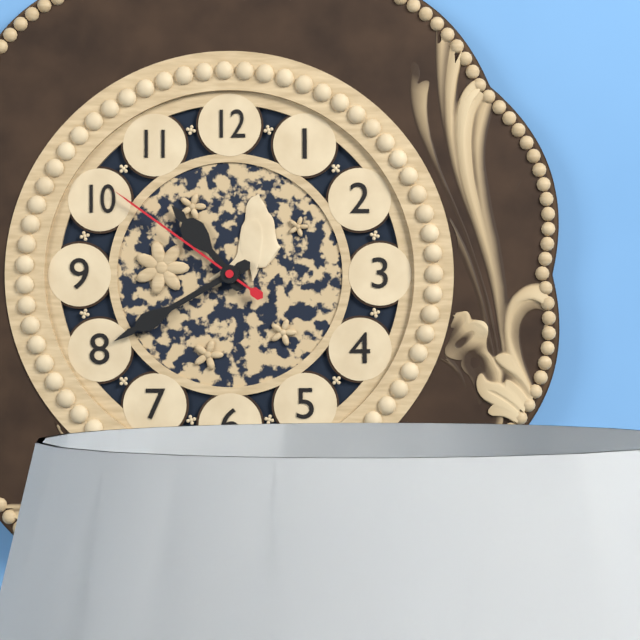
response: 10h40m51s
